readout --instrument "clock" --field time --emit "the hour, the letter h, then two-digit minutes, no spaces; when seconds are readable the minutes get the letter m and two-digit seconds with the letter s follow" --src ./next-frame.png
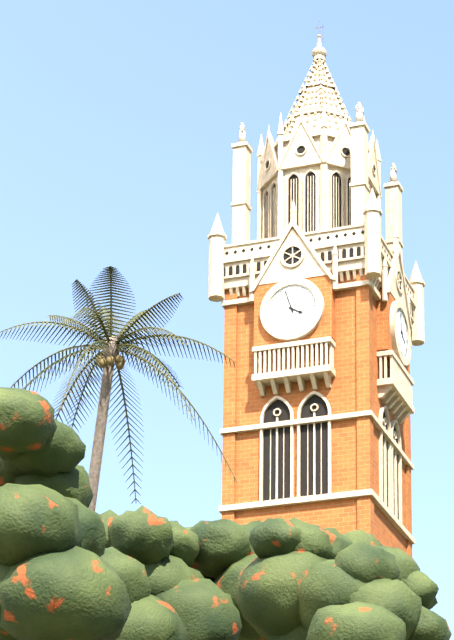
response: 3h57
